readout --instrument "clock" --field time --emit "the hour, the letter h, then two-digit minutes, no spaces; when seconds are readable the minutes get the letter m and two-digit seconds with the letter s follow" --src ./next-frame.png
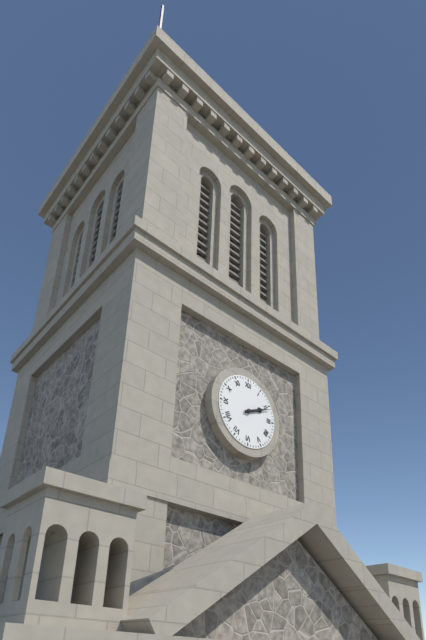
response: 2h11
